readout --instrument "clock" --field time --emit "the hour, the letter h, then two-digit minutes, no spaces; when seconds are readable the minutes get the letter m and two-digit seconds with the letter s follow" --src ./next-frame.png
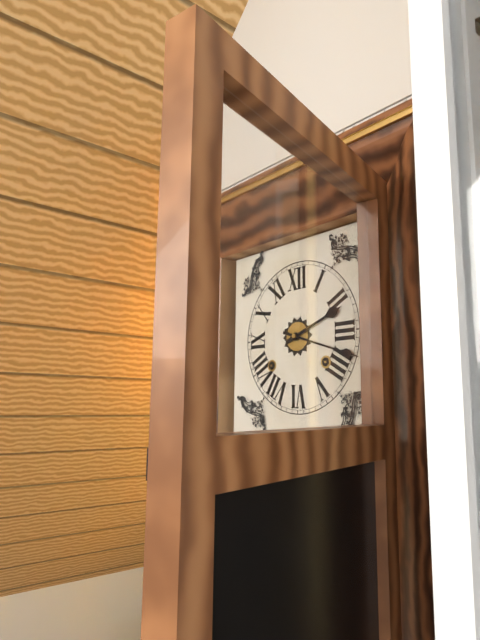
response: 2h18
